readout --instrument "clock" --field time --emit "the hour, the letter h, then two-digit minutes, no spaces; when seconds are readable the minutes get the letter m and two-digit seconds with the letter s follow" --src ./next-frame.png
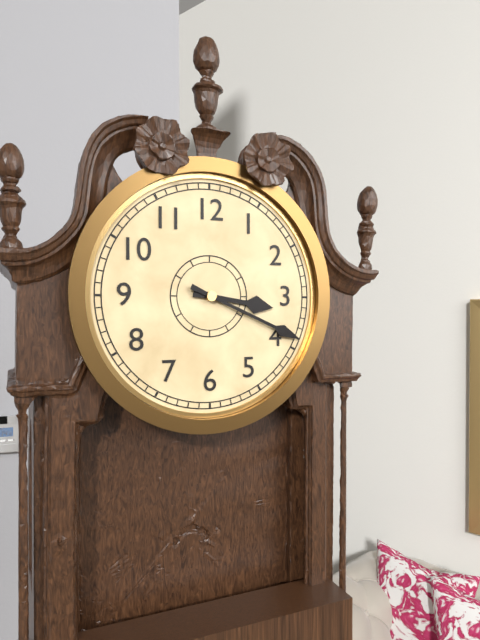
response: 3h19
